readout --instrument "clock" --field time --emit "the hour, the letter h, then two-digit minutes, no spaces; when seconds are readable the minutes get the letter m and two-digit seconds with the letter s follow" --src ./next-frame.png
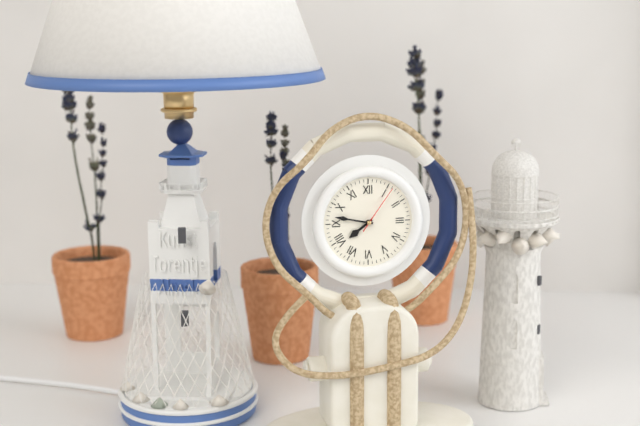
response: 7h47m06s
